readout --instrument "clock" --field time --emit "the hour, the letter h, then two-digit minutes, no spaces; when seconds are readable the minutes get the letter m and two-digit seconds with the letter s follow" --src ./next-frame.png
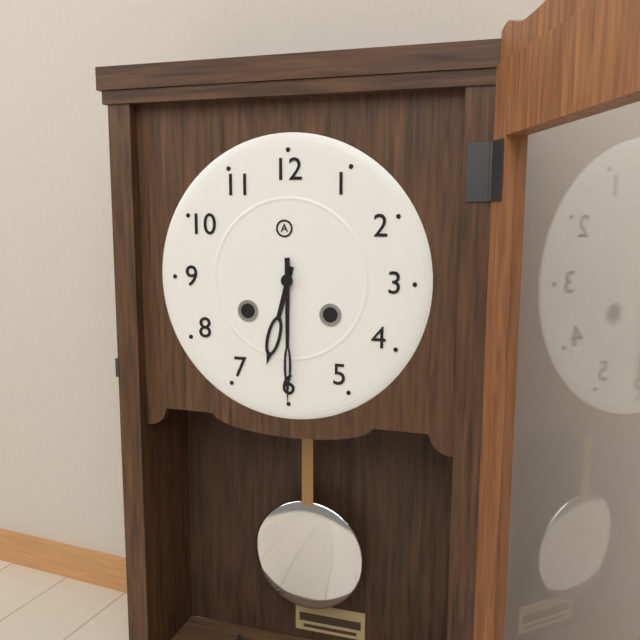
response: 6h30
